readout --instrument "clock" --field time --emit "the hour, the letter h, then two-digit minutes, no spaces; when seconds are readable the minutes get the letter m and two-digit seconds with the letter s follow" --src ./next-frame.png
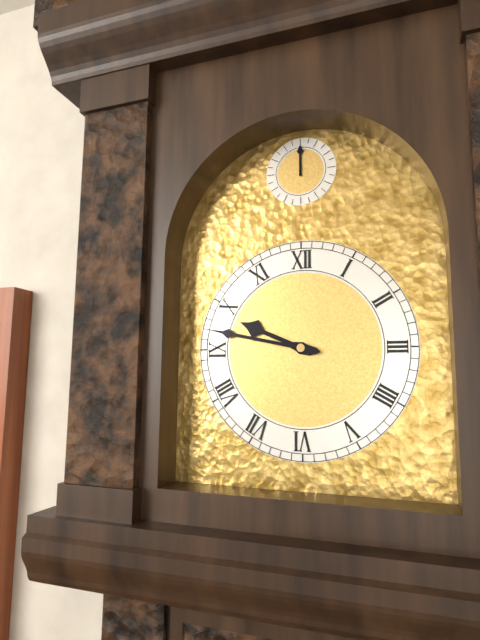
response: 9h47
